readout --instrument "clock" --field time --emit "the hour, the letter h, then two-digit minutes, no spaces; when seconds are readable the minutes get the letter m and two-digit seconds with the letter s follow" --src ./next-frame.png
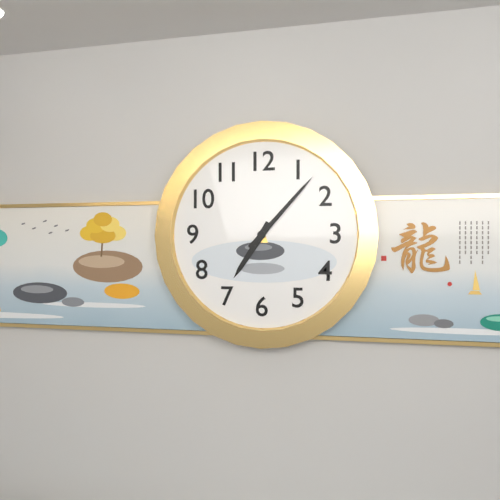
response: 7h07
